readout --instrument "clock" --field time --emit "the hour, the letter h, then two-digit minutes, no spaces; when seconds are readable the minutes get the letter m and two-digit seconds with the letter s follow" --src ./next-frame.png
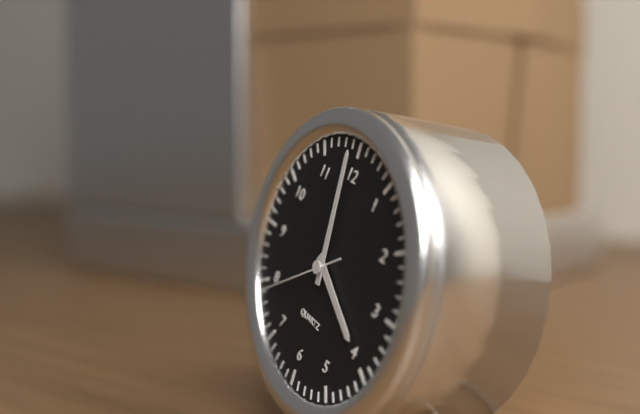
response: 3h59m39s
